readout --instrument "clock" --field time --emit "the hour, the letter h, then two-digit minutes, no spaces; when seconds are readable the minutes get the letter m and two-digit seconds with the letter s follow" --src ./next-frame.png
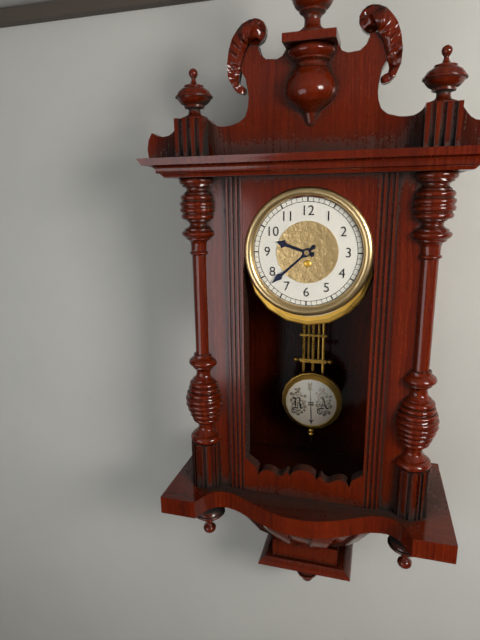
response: 9h38
